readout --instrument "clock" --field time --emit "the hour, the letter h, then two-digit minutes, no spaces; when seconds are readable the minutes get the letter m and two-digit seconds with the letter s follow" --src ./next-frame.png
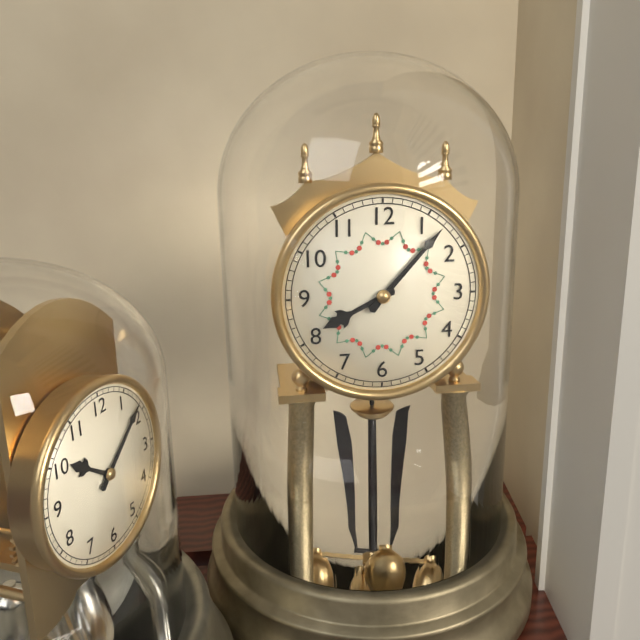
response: 8h07
